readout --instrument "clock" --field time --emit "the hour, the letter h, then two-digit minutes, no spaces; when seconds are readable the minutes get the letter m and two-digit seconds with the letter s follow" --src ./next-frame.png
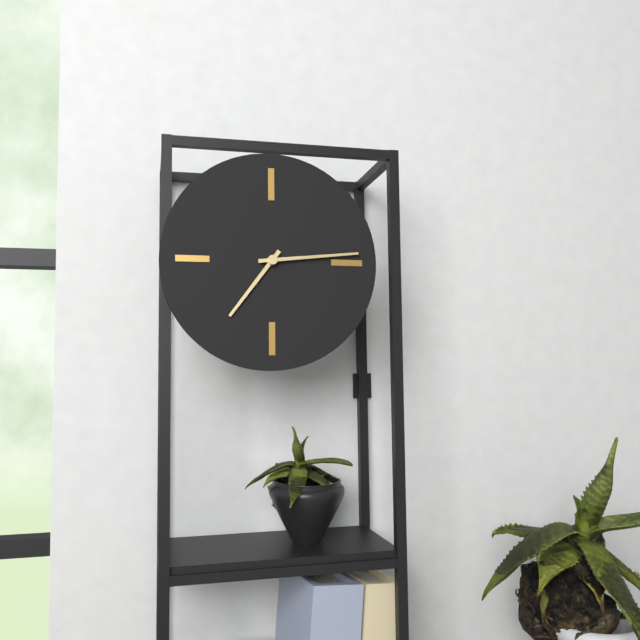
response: 7h14
